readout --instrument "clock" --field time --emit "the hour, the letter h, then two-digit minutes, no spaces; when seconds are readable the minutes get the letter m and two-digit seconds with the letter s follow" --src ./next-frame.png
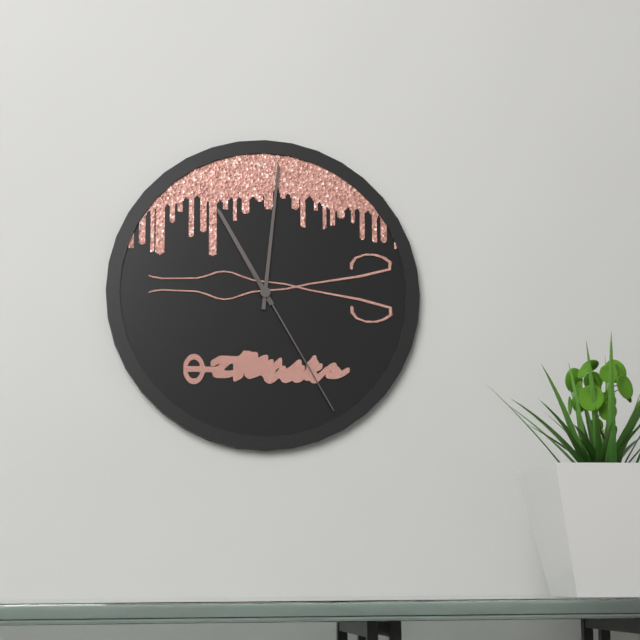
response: 11h01m25s
